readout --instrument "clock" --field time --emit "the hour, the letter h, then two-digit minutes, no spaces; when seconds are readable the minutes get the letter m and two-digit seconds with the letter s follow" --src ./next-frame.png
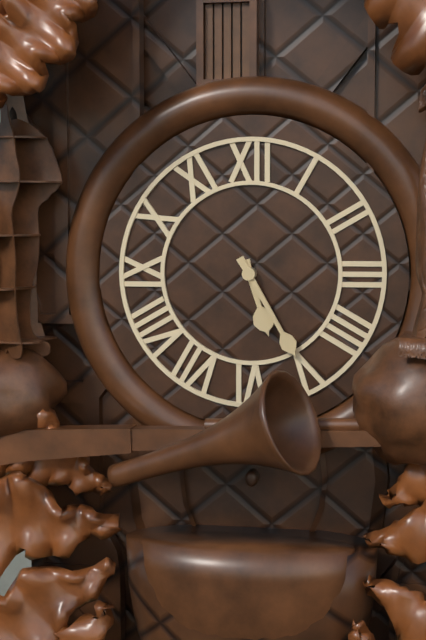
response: 5h25
